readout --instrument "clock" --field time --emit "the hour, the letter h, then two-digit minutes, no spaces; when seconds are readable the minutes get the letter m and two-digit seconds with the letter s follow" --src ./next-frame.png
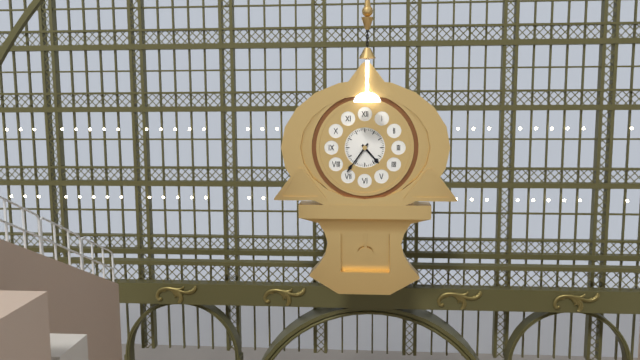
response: 4h36
